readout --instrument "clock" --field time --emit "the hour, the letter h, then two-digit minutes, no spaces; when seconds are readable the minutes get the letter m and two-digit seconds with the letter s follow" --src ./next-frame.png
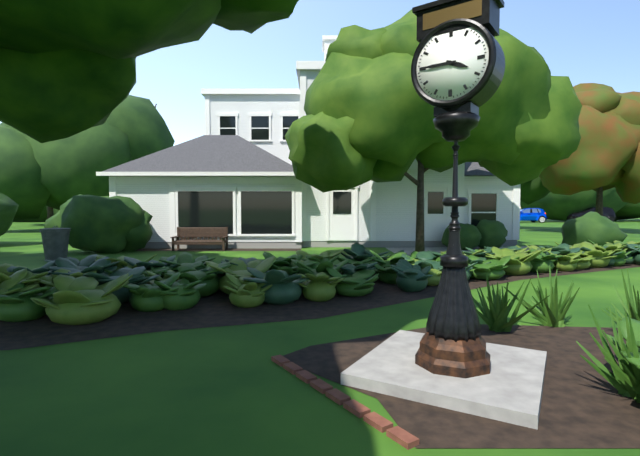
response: 3h45
